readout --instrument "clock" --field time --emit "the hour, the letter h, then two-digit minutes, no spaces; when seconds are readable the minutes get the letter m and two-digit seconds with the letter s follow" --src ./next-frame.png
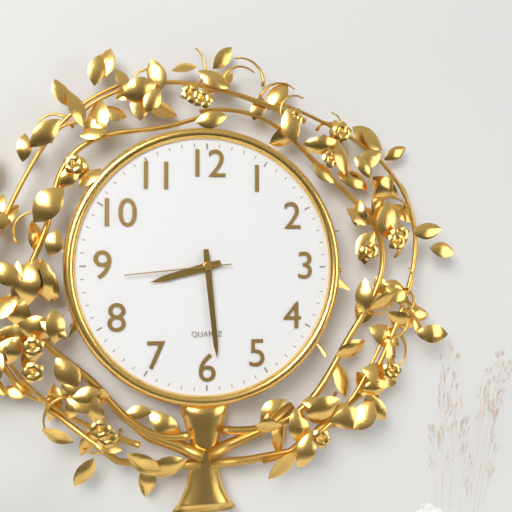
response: 8h29m44s
